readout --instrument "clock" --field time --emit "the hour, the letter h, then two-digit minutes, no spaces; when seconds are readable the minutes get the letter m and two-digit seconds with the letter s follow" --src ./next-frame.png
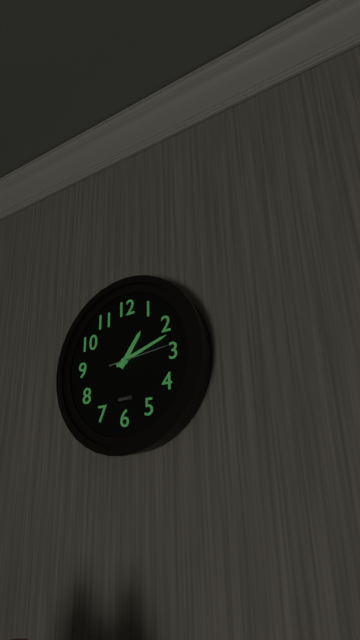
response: 1h12m14s
